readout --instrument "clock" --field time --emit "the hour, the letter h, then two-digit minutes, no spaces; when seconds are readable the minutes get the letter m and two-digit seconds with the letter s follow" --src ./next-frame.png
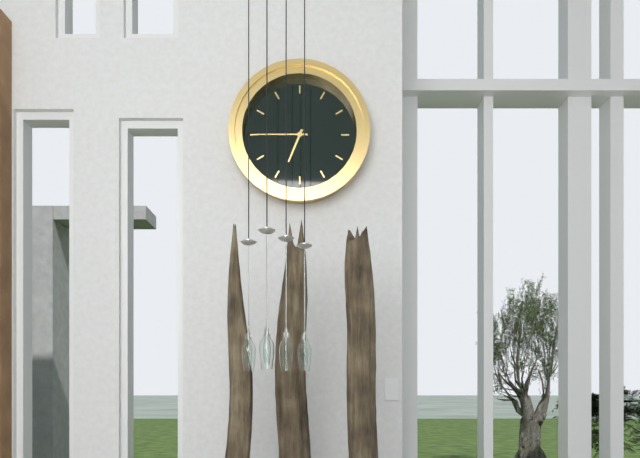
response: 6h45
